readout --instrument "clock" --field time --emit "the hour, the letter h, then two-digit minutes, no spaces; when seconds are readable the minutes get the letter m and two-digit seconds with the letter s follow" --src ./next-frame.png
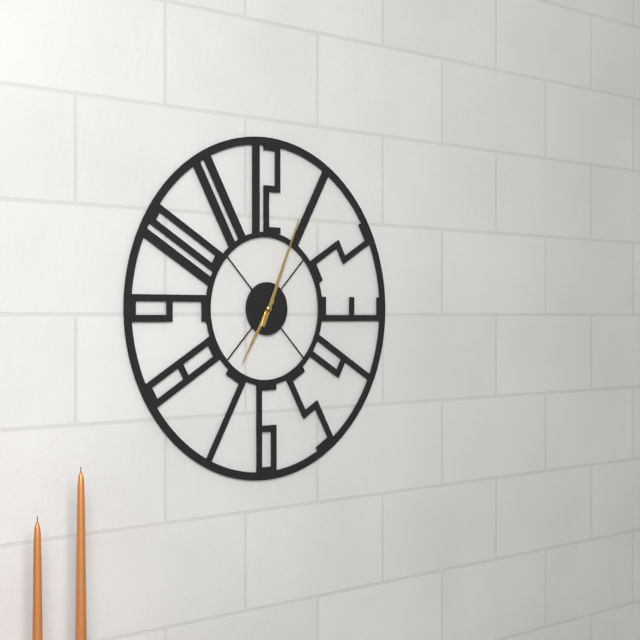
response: 7h04
